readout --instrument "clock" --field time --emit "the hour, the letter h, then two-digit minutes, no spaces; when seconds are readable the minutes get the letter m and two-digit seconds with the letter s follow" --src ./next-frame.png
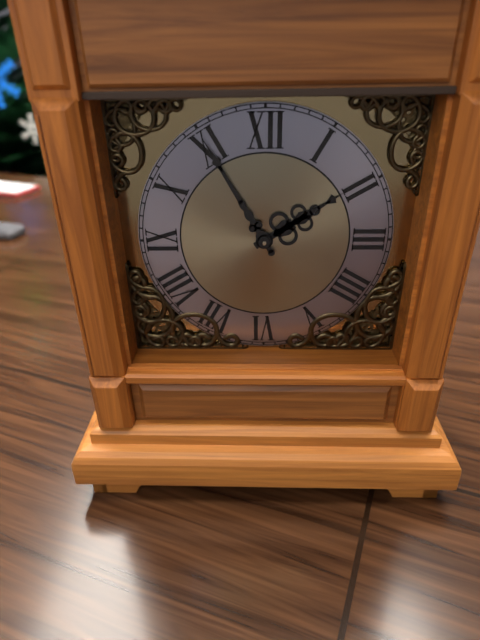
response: 1h55
